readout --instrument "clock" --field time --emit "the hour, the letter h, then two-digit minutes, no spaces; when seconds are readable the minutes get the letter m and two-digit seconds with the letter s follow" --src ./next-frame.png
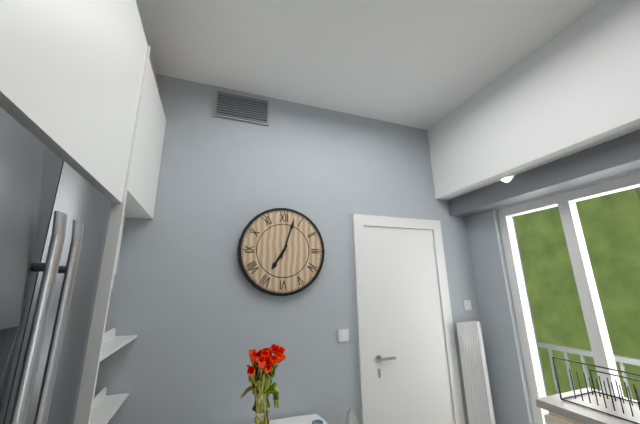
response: 7h03
